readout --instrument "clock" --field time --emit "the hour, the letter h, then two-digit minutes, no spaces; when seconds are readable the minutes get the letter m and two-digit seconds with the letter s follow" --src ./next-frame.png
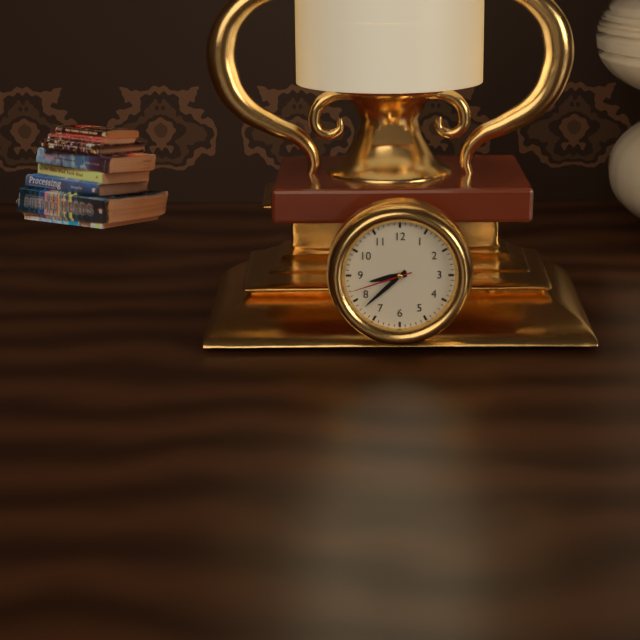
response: 8h38m42s
